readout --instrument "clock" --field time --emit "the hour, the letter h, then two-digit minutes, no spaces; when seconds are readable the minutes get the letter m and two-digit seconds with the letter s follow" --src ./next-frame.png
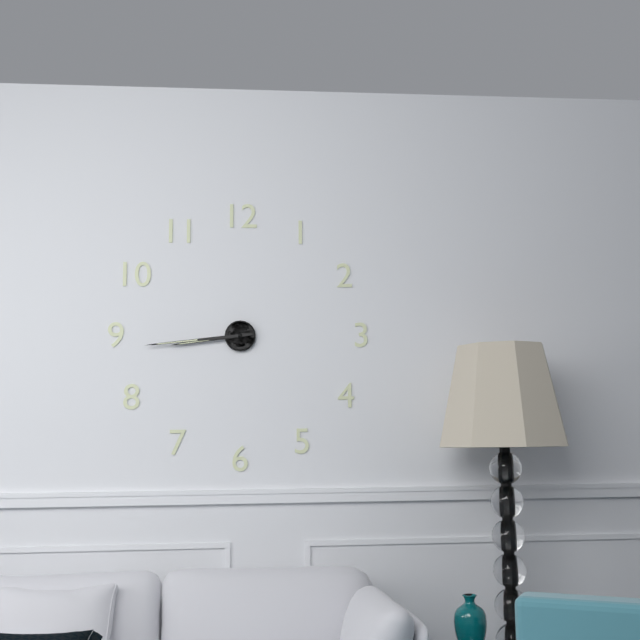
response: 8h44
